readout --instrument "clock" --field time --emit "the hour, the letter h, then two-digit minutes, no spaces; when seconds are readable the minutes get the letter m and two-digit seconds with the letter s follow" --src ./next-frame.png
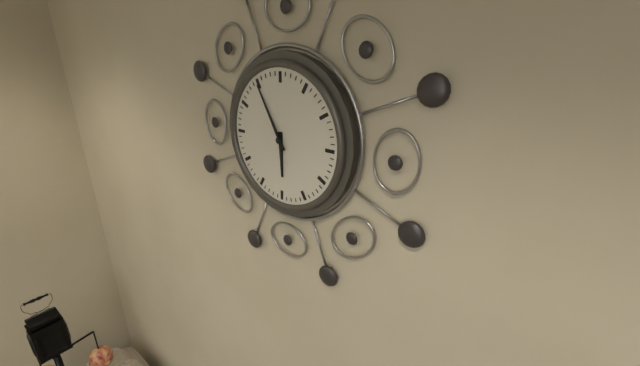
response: 5h55
